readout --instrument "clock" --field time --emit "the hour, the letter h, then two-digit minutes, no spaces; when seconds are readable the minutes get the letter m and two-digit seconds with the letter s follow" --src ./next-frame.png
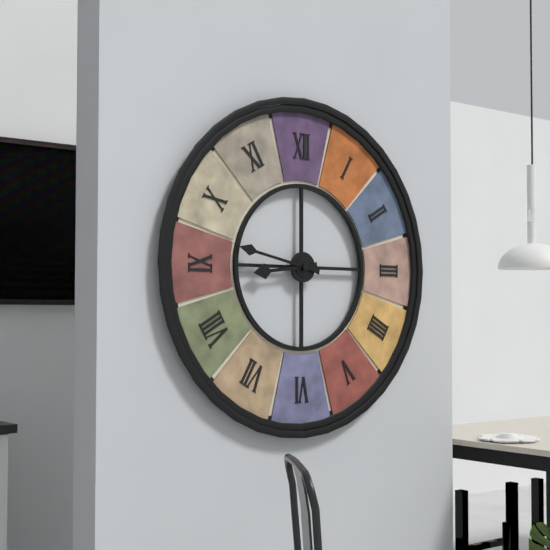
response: 8h47
